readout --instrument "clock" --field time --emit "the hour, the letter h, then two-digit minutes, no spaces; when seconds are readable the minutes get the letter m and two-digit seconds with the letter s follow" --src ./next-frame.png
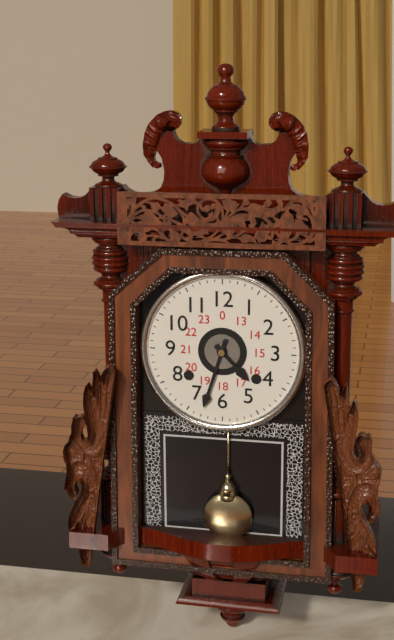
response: 4h33
